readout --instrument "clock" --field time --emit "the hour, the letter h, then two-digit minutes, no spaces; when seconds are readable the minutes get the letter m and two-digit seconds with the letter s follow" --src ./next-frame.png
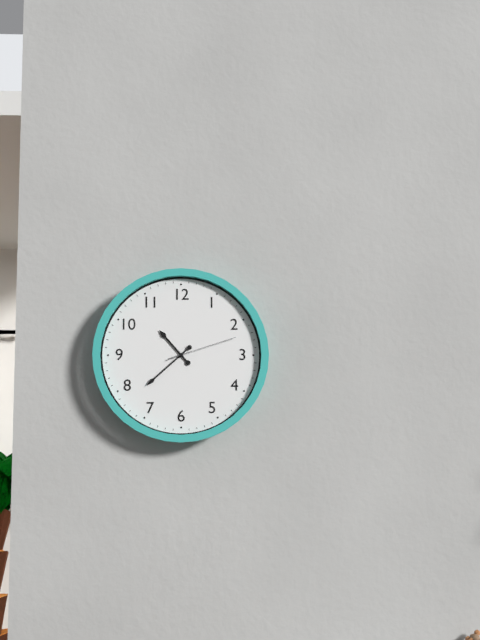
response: 10h38m12s
